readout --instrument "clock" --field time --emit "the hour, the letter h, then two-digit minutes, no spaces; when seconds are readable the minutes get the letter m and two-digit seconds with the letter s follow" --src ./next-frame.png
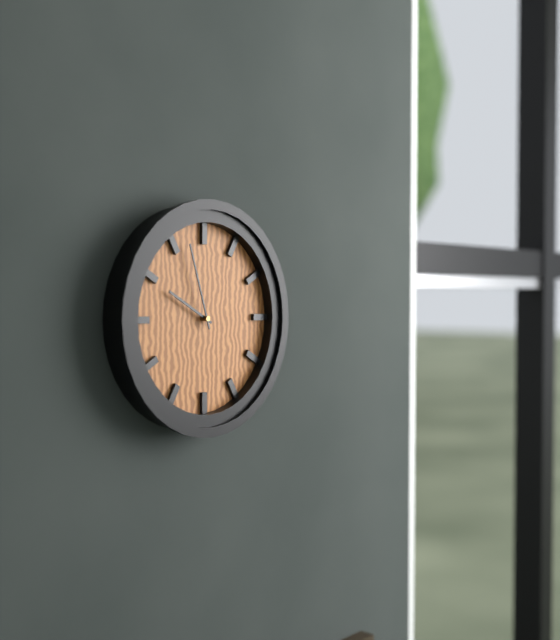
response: 9h57
